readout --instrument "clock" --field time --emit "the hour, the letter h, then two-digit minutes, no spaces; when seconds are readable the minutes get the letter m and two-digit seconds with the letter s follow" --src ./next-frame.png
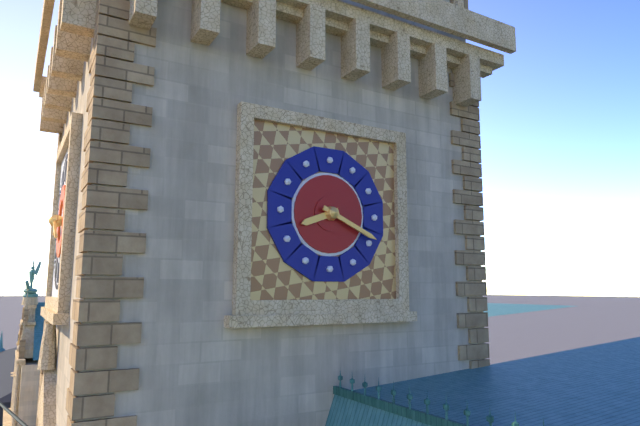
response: 8h19
